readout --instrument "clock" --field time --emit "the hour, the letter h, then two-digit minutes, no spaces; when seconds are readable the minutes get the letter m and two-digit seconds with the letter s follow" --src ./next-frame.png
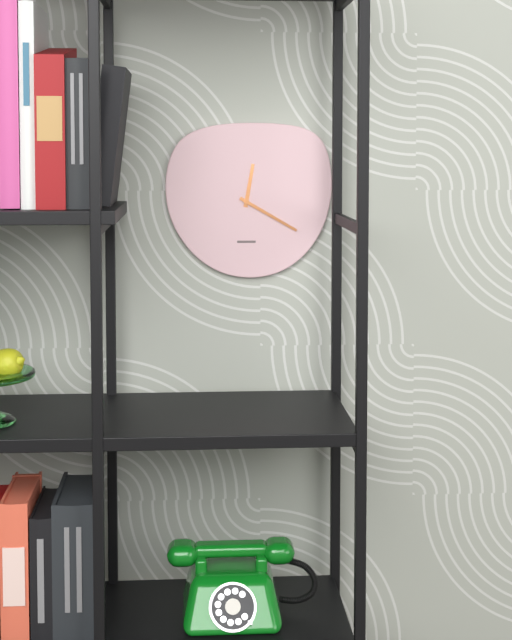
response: 12h20
